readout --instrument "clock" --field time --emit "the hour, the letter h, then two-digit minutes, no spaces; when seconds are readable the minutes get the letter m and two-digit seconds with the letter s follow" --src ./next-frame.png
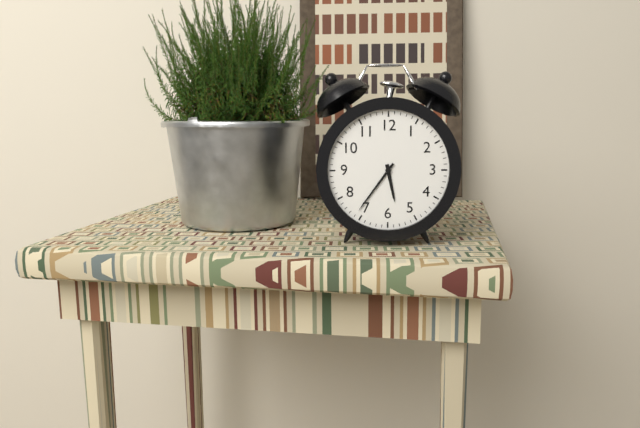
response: 5h36
